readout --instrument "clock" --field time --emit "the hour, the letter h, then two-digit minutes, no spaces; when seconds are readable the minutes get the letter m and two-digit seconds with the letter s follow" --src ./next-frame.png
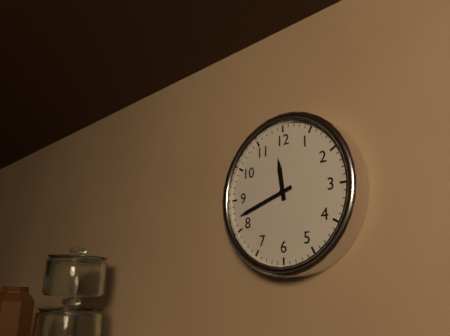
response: 11h42
